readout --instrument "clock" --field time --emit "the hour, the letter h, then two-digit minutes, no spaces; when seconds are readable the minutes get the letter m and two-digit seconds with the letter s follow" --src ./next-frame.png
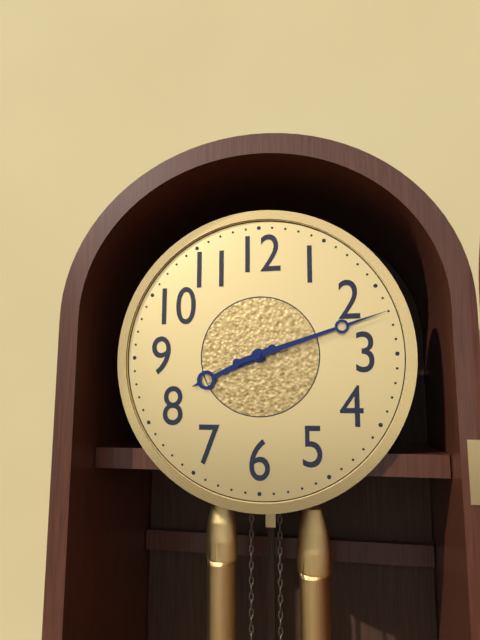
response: 8h12
